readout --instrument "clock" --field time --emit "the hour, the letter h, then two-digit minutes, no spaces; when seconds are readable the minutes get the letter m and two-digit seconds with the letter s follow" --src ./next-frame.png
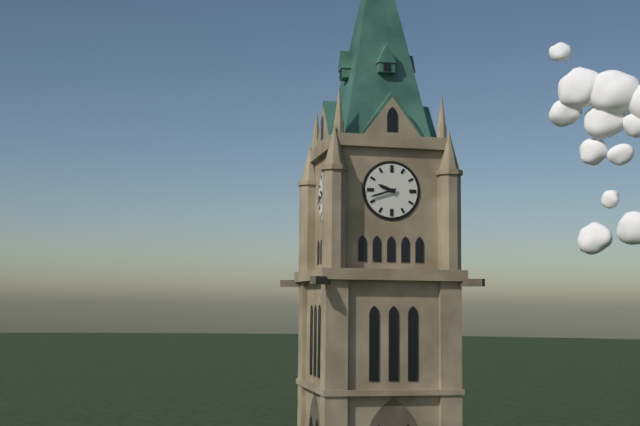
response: 9h42
